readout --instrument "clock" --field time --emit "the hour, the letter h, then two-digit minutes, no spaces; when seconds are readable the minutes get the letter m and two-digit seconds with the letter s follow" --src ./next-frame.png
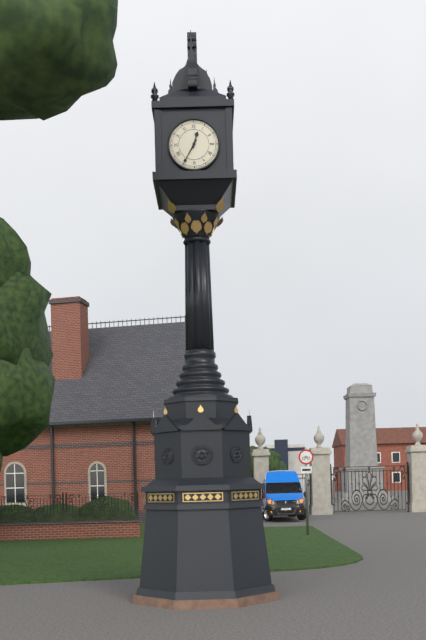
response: 12h35
